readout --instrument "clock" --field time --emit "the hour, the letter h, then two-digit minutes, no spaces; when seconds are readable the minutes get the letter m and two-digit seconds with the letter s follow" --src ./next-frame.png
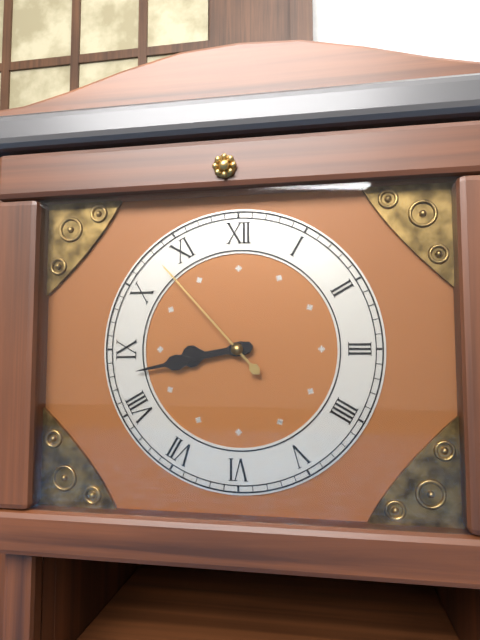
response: 8h43m53s
